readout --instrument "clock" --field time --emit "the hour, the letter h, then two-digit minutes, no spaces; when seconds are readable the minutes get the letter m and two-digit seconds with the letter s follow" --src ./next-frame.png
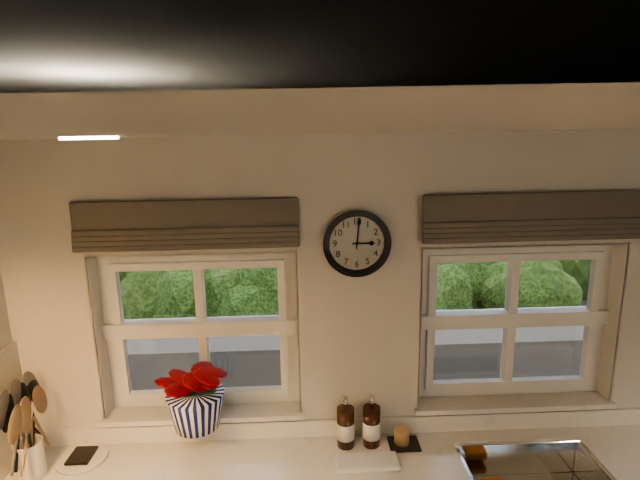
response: 3h01
